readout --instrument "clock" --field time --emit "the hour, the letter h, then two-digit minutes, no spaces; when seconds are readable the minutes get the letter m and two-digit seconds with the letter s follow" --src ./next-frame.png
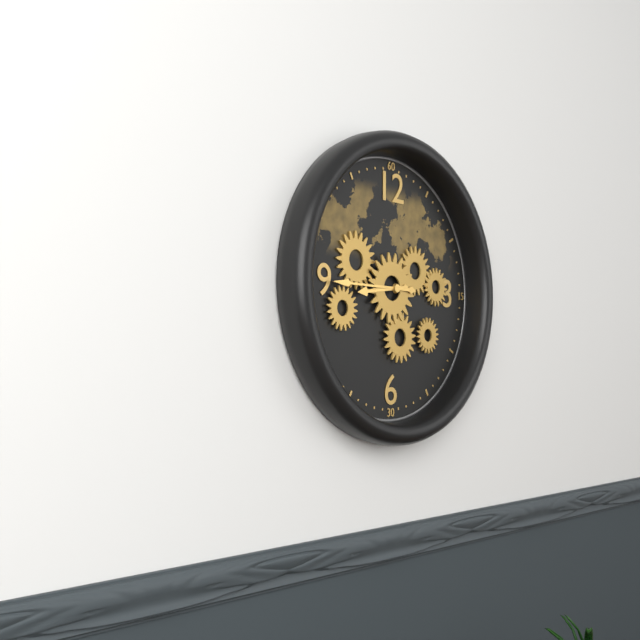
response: 8h45
